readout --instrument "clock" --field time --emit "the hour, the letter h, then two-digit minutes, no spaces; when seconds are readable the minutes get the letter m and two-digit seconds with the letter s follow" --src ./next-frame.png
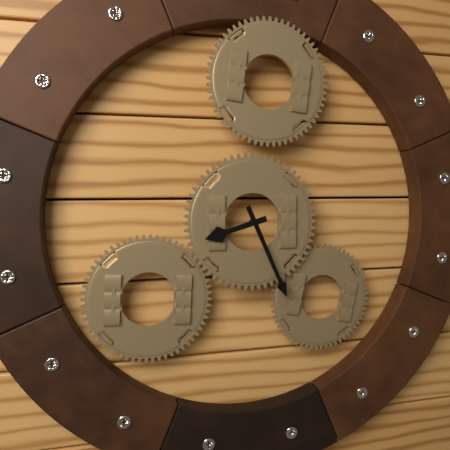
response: 8h26
